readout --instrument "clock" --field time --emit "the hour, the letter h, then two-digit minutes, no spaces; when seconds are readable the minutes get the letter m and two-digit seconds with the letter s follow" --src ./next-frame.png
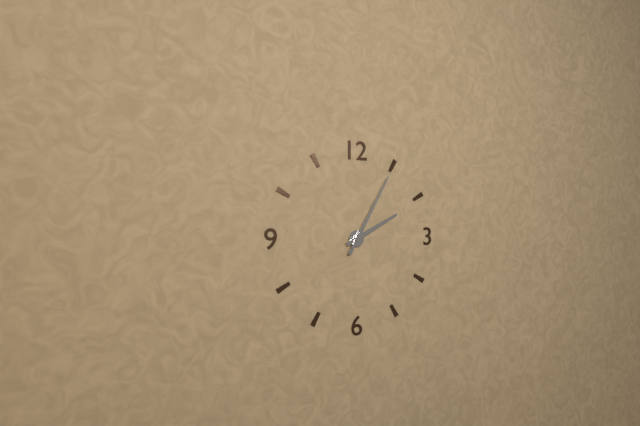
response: 2h05
